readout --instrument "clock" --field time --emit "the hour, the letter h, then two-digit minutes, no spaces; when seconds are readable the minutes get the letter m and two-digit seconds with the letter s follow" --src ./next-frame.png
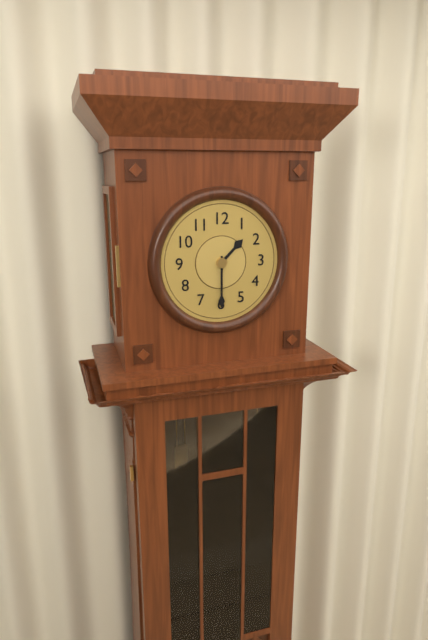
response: 1h30
